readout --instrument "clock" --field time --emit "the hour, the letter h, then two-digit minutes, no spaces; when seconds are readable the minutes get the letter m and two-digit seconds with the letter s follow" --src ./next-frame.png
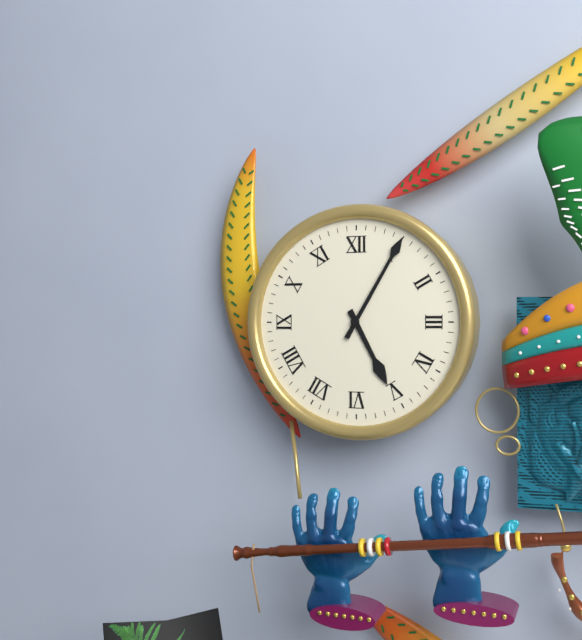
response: 5h05
